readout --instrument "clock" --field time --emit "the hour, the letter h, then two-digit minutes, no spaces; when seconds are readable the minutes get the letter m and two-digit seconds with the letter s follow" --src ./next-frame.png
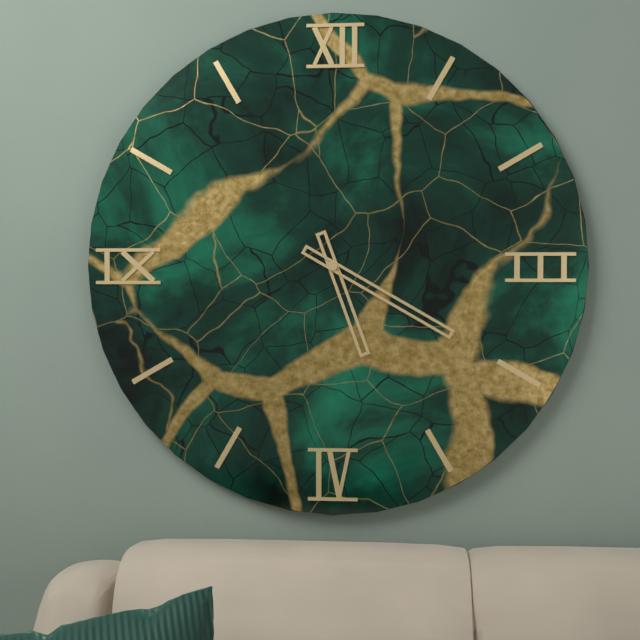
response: 5h20
